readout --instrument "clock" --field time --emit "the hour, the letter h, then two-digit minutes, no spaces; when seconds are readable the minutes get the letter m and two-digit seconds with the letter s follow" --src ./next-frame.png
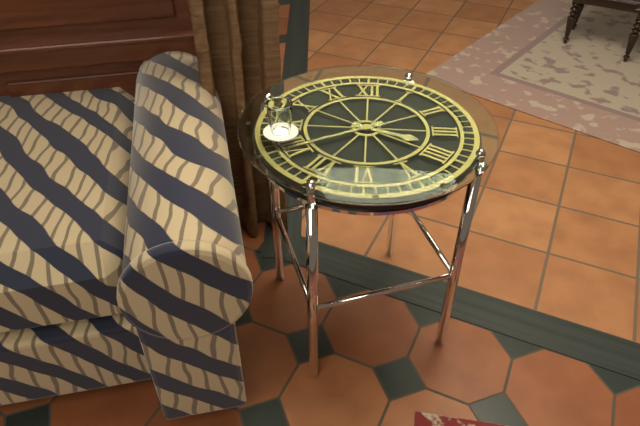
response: 3h40
